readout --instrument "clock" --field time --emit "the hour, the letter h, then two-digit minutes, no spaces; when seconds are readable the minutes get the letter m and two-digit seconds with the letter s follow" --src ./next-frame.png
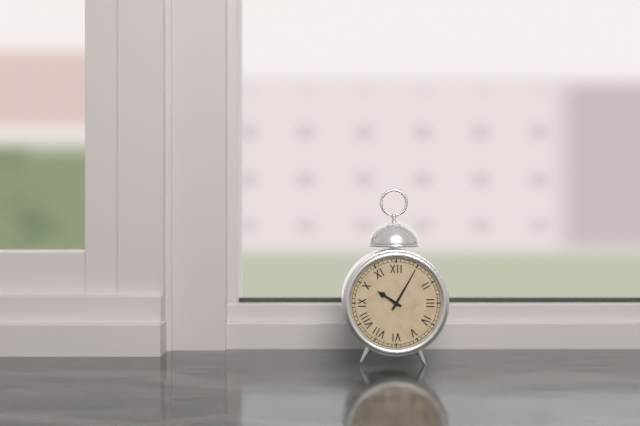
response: 10h05
